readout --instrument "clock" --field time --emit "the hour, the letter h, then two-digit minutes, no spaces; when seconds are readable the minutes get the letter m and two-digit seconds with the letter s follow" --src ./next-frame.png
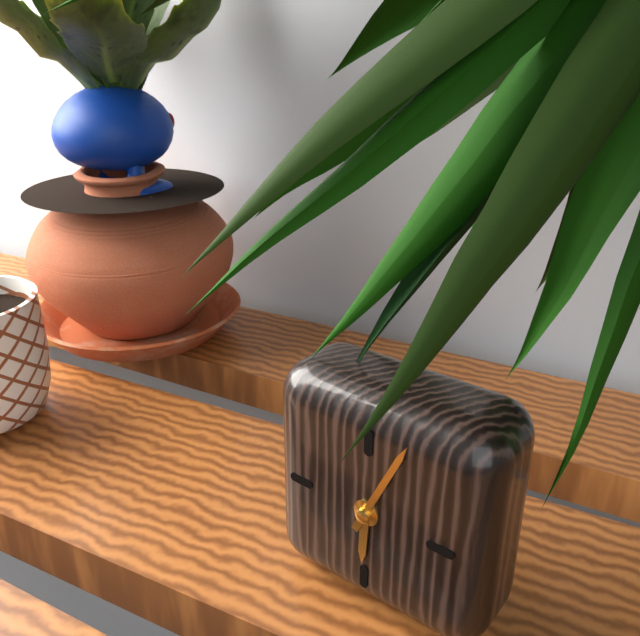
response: 6h04
